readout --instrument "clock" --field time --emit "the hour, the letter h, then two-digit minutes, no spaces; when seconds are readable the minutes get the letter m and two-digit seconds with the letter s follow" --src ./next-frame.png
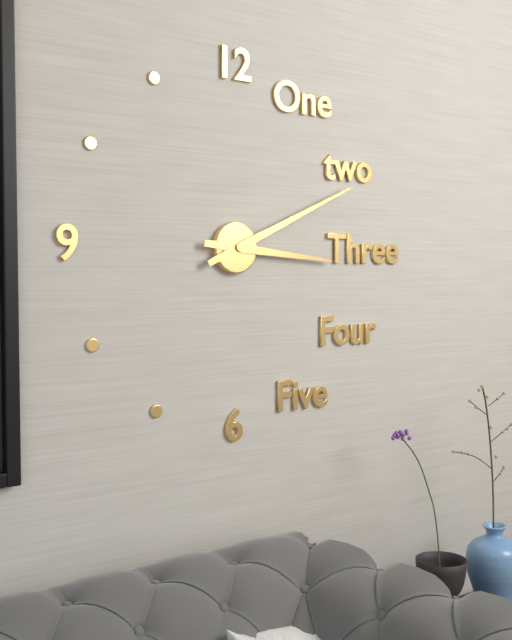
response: 3h11
